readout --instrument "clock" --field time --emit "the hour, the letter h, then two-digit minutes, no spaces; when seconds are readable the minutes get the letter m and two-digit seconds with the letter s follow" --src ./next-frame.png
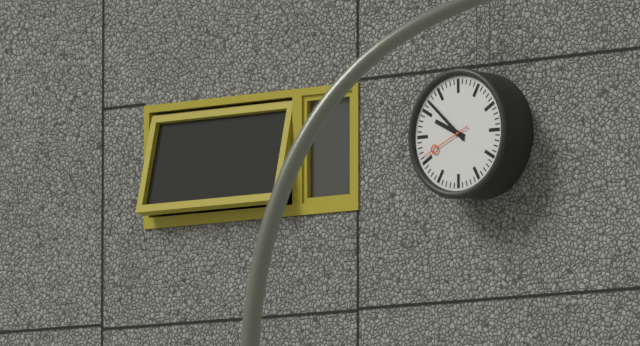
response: 9h52m41s
